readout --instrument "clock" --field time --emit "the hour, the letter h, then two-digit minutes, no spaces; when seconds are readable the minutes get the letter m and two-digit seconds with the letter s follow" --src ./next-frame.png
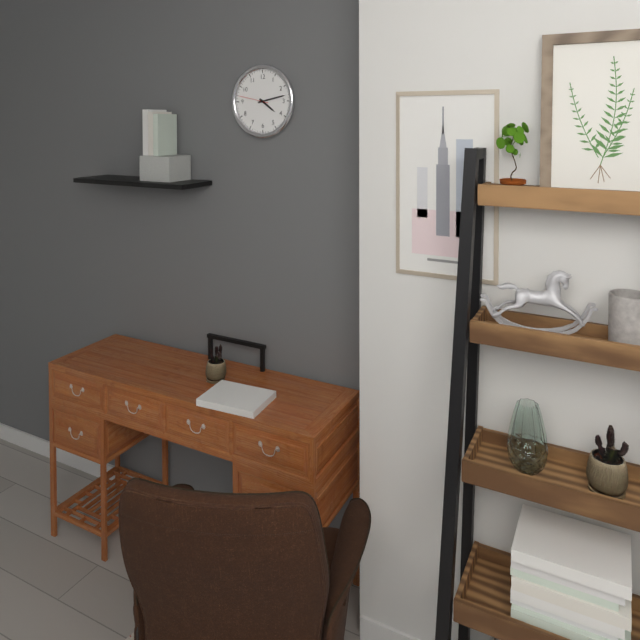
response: 4h13
